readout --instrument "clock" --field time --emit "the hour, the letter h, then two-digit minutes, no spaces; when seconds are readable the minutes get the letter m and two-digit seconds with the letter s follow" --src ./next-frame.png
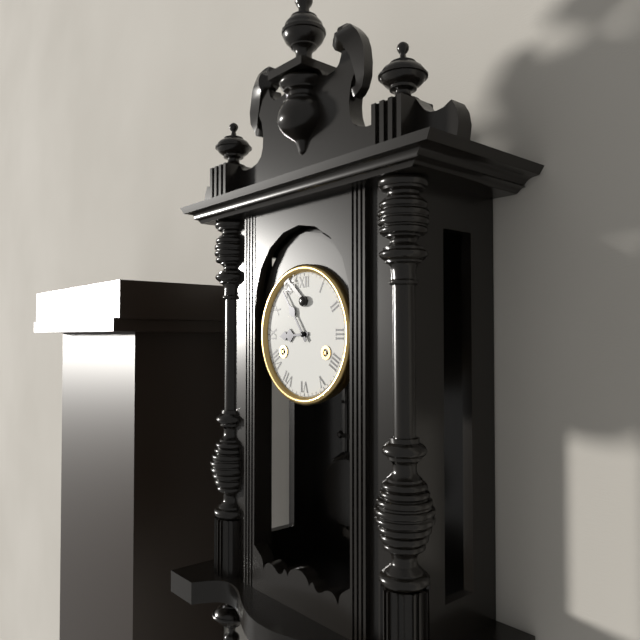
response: 8h54
